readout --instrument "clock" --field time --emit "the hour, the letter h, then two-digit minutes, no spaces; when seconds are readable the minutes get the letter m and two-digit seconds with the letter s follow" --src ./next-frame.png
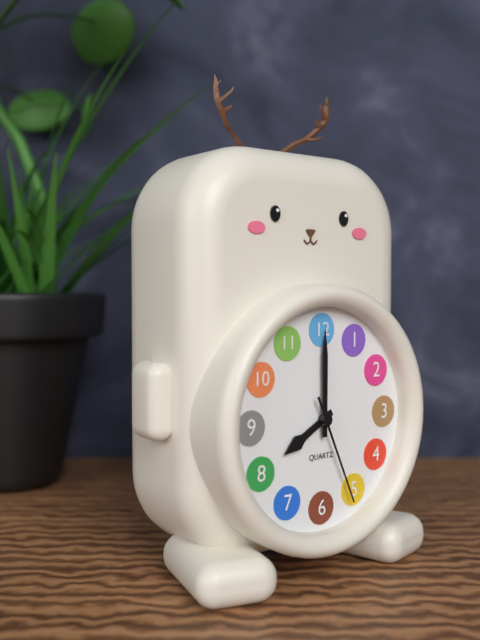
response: 8h00m26s
